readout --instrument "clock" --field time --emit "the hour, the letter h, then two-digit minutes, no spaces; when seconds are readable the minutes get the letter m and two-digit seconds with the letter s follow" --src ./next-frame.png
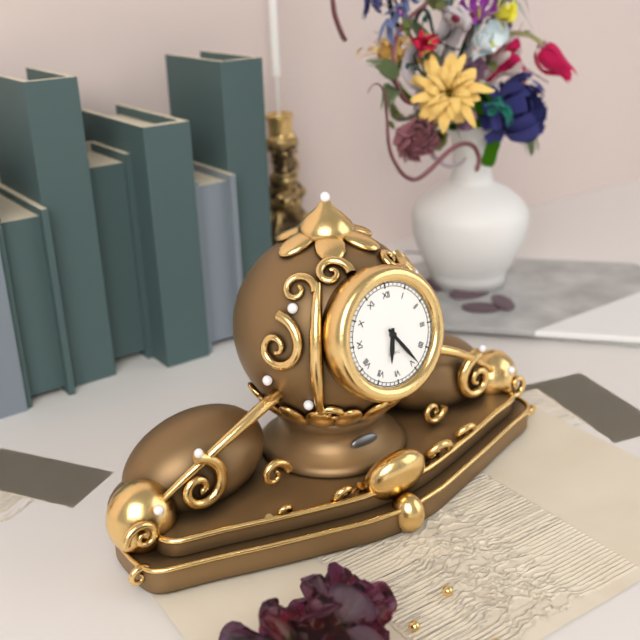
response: 6h24
